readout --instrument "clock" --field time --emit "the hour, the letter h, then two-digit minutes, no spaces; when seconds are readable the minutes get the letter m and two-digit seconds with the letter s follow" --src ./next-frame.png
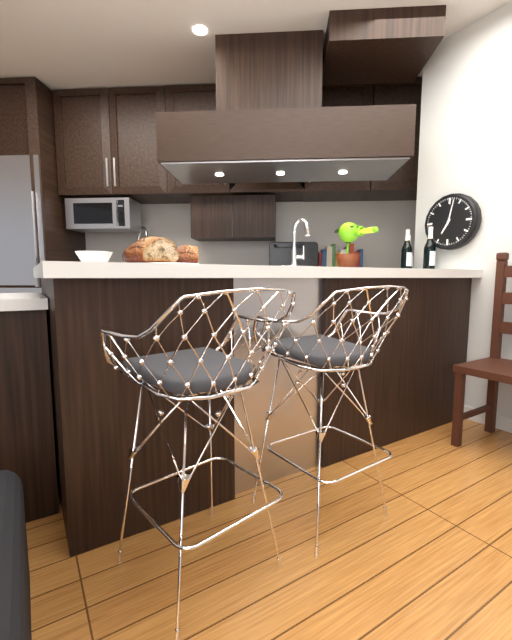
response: 7h02
